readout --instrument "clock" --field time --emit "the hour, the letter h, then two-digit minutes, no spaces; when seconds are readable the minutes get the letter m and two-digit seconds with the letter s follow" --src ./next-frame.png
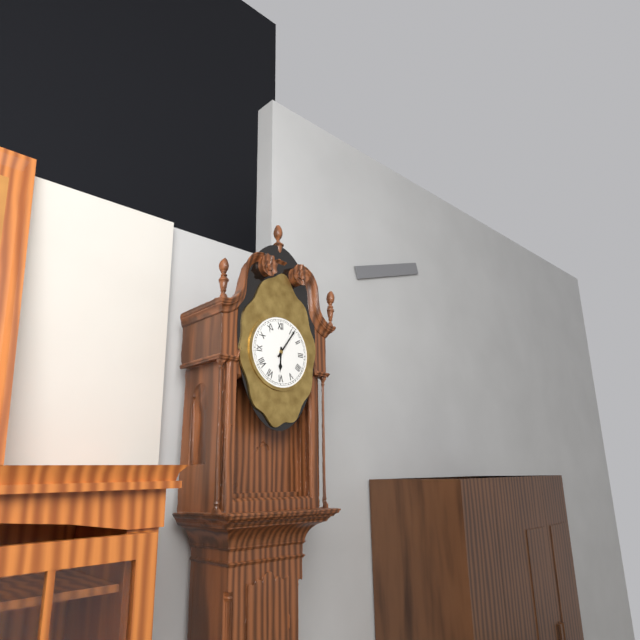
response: 6h06
